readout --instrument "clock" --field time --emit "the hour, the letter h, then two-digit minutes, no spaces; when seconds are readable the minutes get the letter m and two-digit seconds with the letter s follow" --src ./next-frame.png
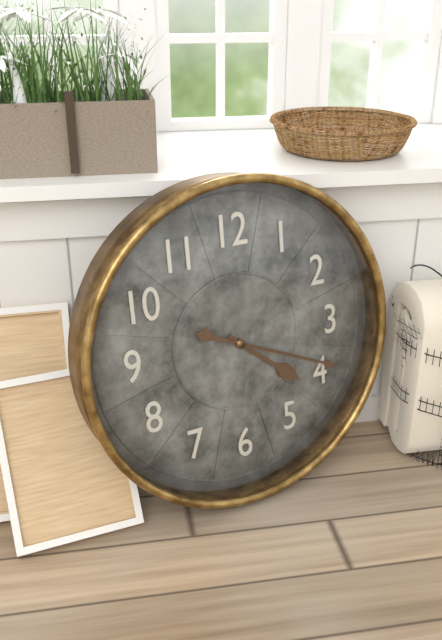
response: 4h19
